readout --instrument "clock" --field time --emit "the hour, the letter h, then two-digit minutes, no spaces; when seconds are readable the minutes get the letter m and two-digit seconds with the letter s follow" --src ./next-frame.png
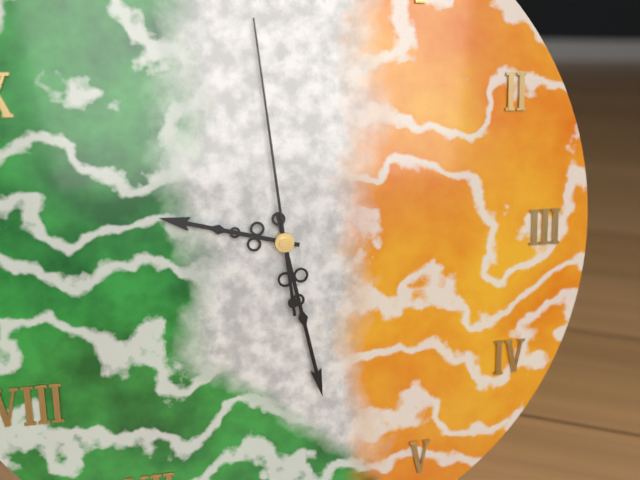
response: 9h28m59s
